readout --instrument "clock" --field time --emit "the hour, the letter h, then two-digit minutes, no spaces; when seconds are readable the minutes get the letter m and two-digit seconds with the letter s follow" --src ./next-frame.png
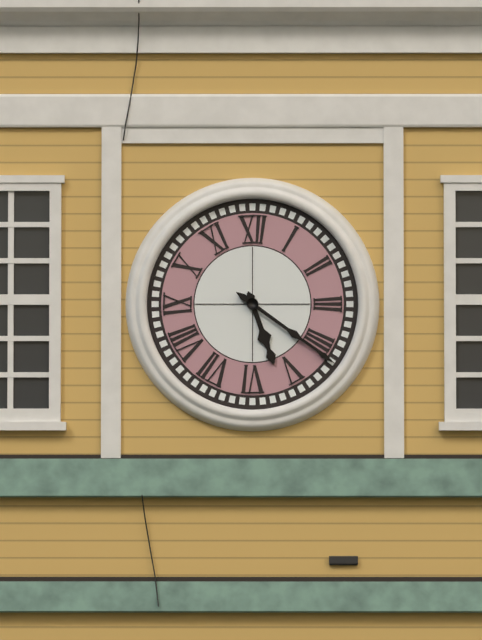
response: 5h21
